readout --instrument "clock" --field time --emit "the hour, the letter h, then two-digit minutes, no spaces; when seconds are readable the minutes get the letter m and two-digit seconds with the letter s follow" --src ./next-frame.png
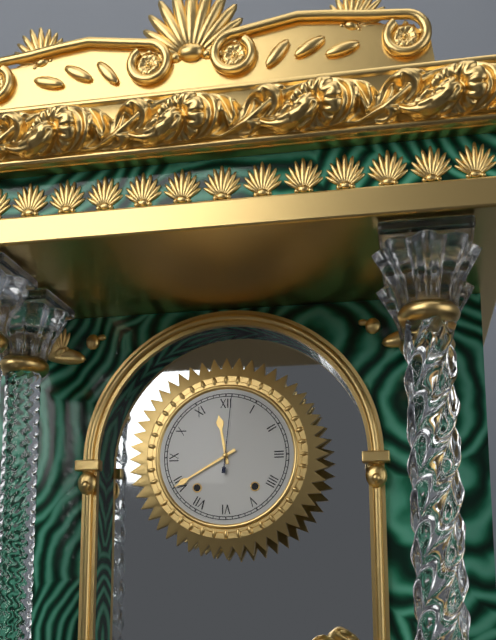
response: 11h40m01s
